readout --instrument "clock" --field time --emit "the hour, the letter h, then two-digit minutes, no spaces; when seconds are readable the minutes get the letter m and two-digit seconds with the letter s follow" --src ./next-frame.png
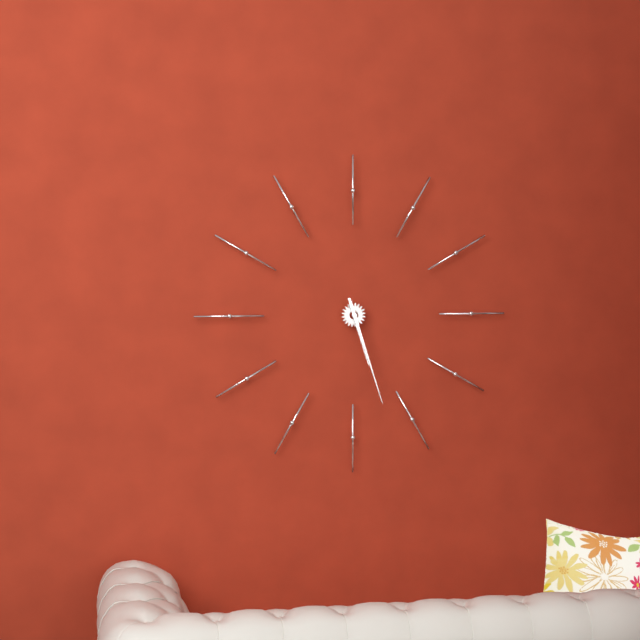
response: 5h27
